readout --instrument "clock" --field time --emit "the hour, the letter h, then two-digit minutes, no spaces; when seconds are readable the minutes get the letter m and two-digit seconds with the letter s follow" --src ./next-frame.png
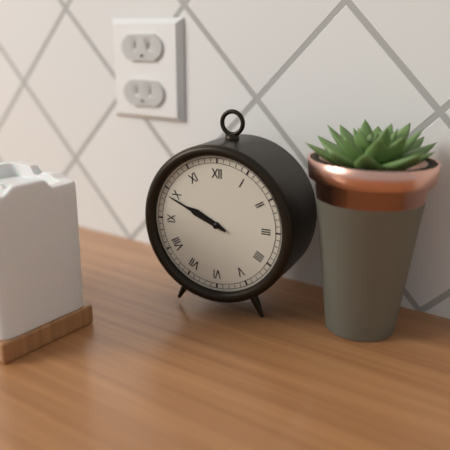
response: 9h49
